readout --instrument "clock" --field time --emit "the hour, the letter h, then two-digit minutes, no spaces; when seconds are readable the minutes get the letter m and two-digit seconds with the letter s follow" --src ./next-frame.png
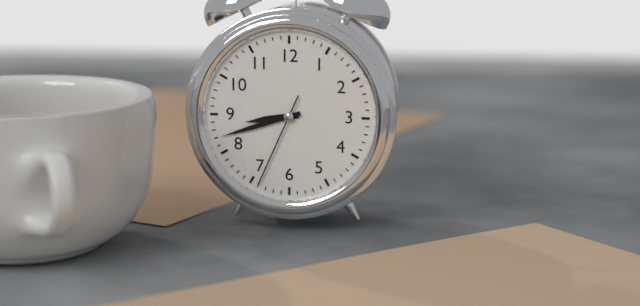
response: 8h42m34s
